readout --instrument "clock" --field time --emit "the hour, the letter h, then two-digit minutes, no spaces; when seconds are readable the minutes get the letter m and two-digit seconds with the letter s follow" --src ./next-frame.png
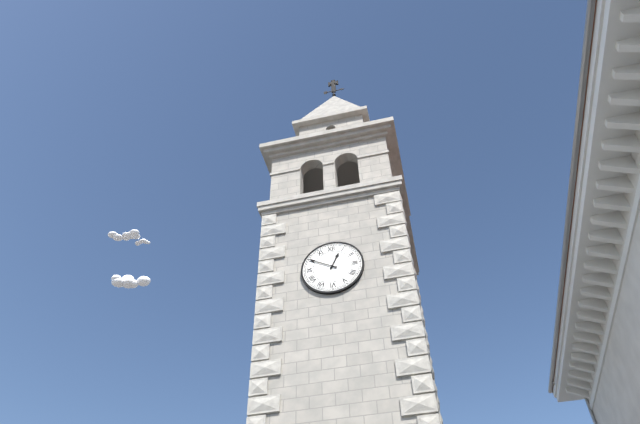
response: 12h50
